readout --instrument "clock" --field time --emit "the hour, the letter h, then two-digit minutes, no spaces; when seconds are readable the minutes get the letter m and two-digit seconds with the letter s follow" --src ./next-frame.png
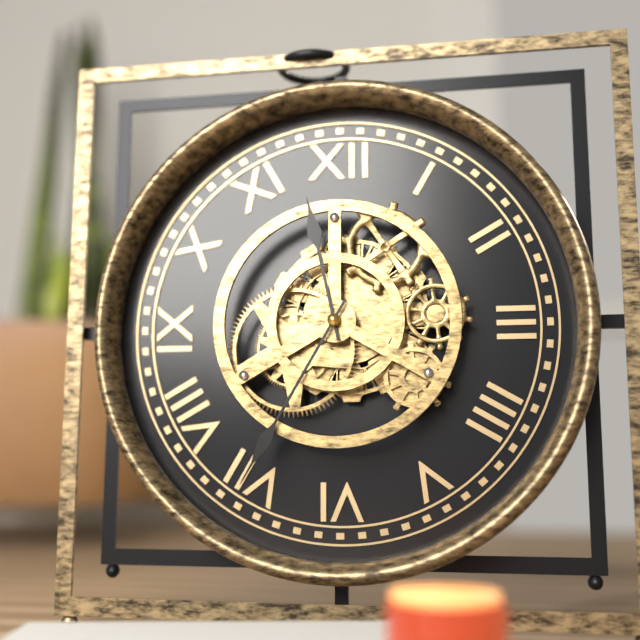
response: 11h35
